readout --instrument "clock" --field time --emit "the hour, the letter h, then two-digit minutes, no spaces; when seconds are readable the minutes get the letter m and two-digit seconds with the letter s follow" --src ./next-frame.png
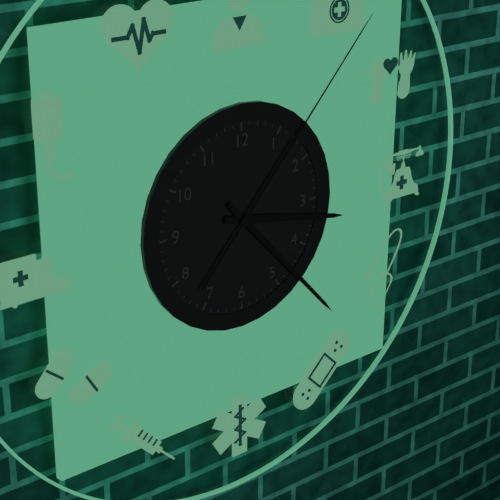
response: 3h23m07s
